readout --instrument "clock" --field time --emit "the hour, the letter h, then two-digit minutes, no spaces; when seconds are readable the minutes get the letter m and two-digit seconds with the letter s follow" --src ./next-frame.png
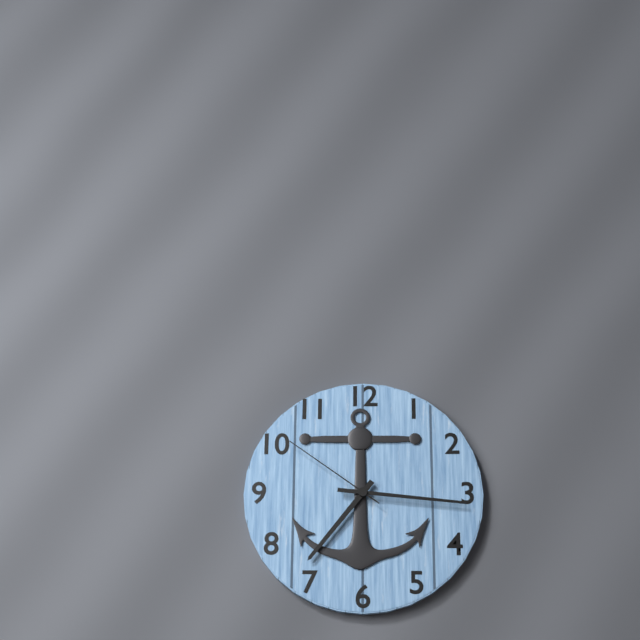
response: 7h16m51s
